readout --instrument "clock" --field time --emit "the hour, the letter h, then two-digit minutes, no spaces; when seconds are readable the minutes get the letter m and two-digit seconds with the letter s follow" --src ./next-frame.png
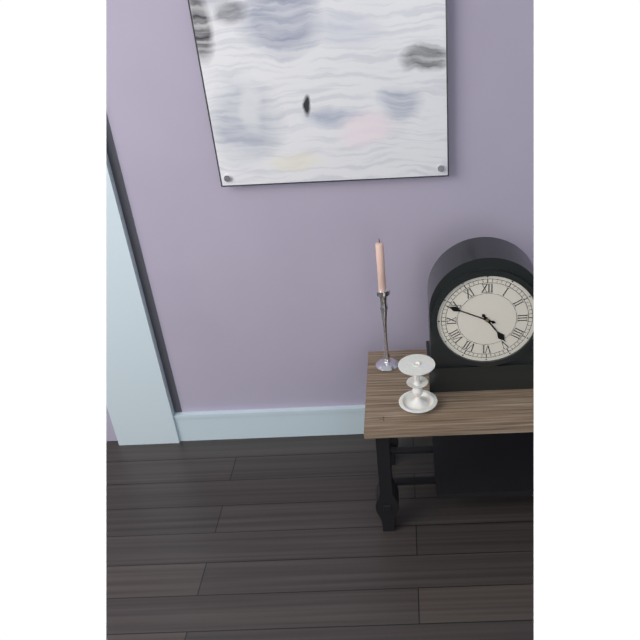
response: 4h49
